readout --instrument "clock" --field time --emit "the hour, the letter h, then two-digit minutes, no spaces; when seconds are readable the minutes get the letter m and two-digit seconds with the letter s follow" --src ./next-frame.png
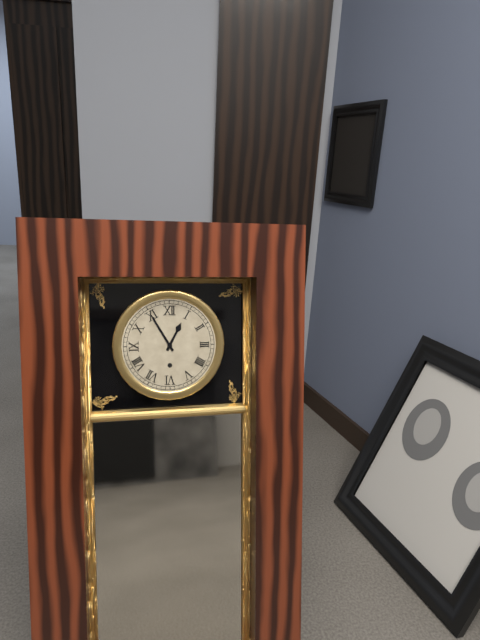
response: 12h55
